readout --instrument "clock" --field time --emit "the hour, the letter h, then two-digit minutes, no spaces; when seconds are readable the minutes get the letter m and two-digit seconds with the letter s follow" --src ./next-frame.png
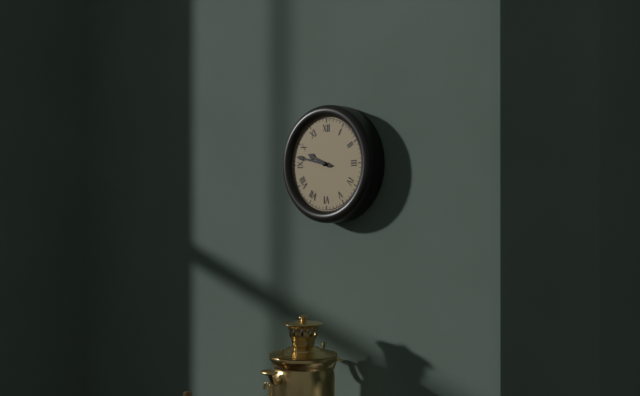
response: 9h47
